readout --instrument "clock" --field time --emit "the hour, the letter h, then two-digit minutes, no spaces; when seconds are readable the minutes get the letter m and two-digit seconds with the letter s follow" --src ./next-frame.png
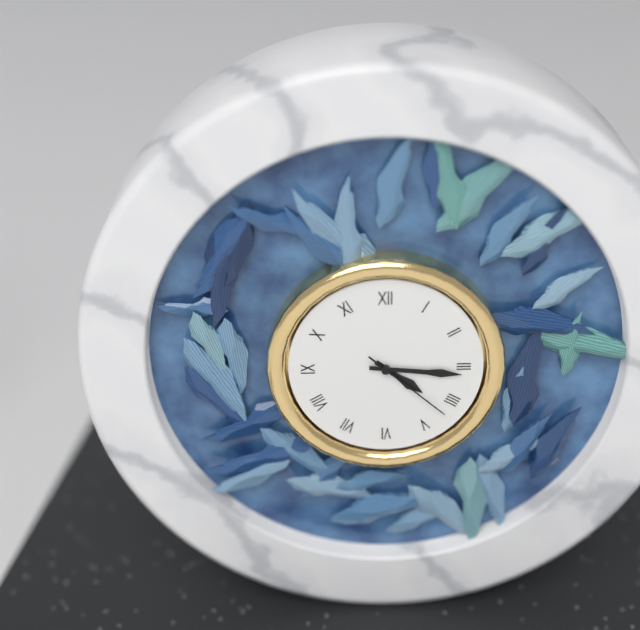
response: 4h16m22s
